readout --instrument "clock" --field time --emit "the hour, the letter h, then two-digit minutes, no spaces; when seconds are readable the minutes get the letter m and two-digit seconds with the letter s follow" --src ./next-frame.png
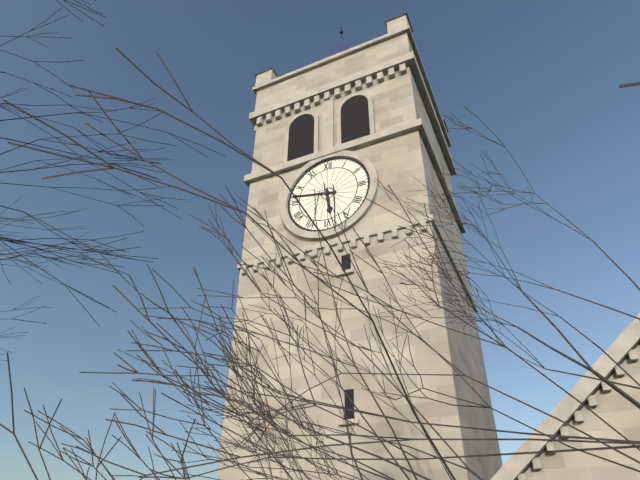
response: 5h47
